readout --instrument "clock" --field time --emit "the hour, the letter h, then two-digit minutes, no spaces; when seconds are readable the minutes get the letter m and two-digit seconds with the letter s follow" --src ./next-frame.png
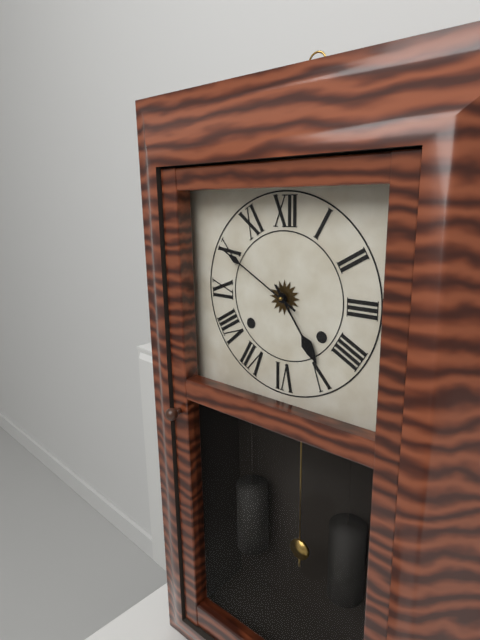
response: 4h50
